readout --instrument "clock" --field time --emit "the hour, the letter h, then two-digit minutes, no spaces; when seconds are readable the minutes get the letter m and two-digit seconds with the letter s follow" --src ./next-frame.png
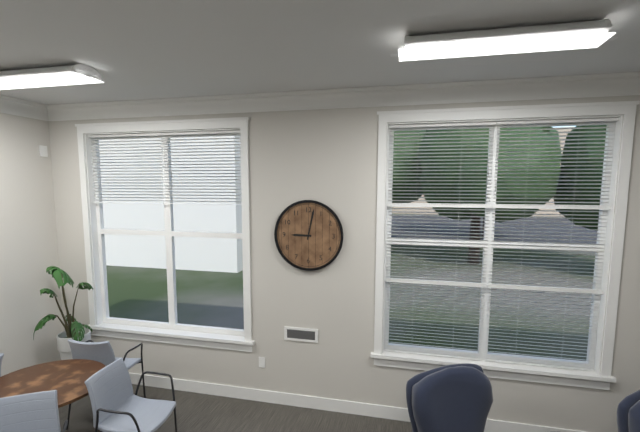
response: 9h02
